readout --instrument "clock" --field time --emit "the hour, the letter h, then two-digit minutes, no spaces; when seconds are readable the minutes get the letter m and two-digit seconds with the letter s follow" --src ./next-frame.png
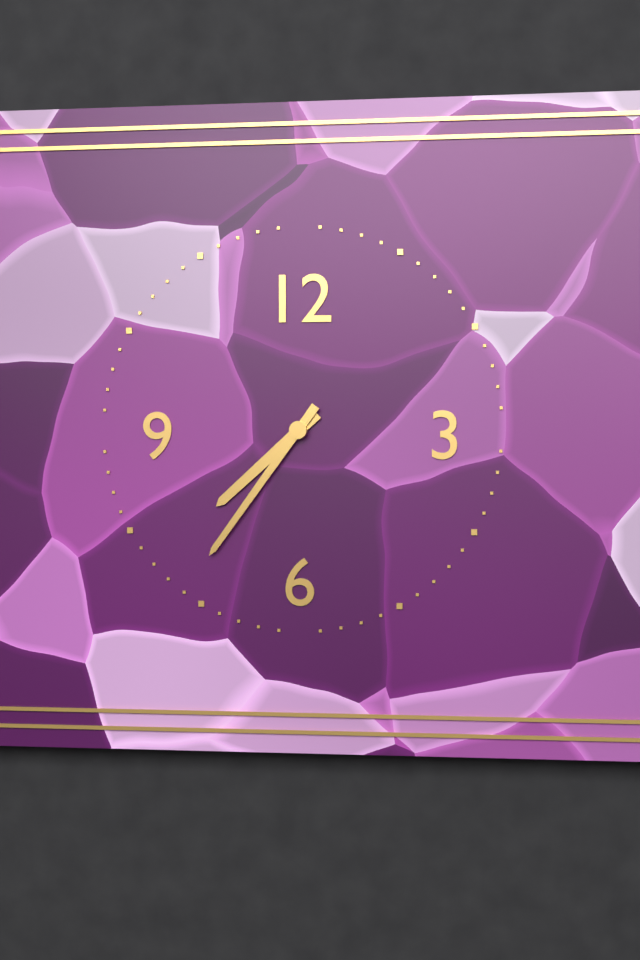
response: 7h36
